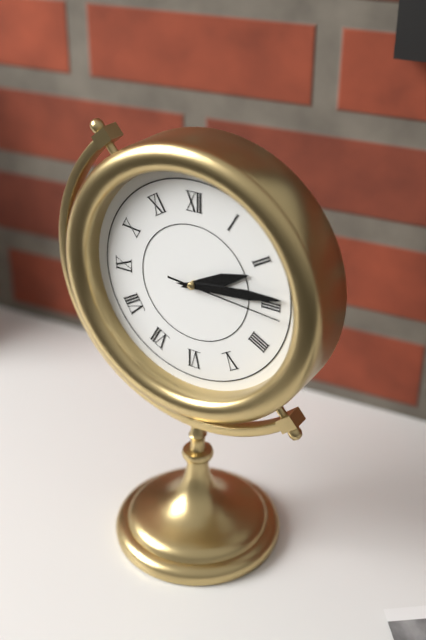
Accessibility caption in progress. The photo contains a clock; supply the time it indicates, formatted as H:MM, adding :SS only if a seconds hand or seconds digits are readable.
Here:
2:14:16
